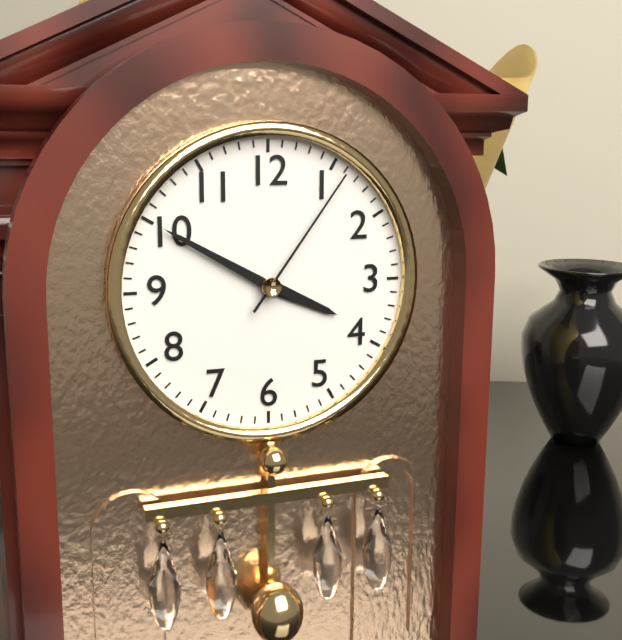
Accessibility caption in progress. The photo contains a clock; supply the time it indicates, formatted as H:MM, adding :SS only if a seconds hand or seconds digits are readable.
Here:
3:50:06
